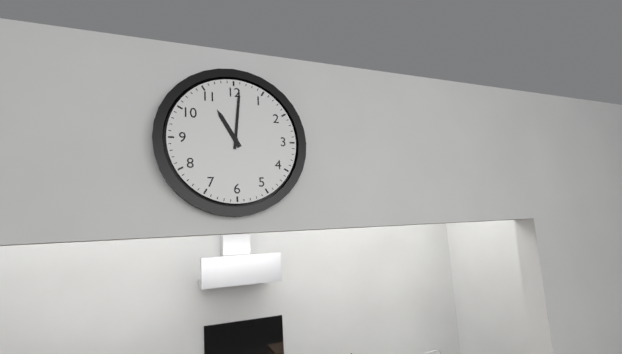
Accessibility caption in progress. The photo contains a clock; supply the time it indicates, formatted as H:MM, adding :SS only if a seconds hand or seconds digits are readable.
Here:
11:01
